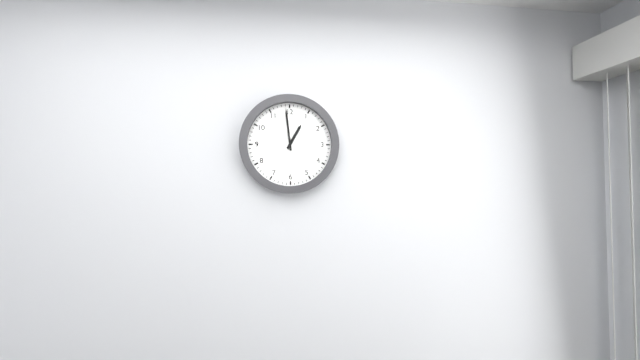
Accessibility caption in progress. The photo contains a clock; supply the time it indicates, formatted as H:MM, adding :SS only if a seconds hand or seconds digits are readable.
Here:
12:59
